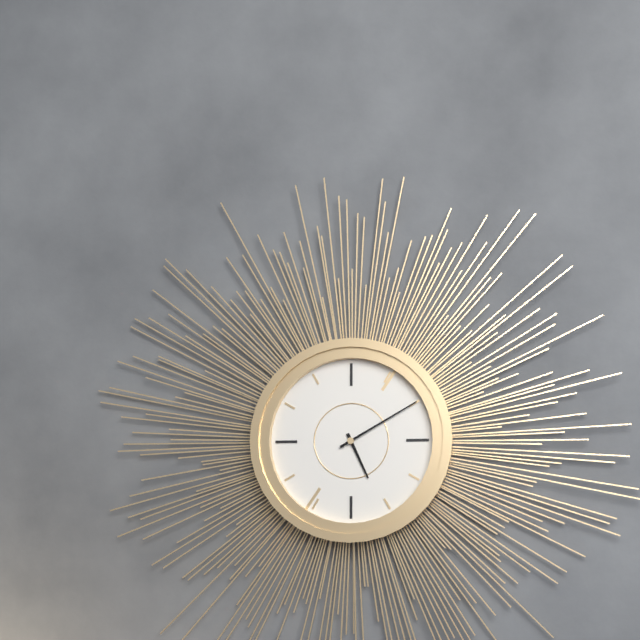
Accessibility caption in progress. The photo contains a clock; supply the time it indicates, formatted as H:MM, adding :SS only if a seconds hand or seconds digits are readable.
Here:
5:10
